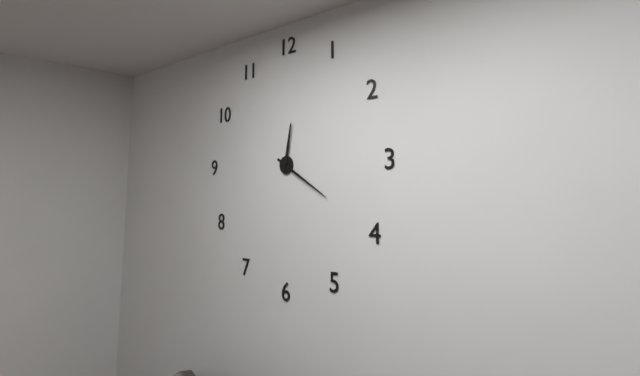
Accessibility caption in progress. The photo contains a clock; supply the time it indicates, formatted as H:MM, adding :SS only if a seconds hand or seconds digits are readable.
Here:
12:20
